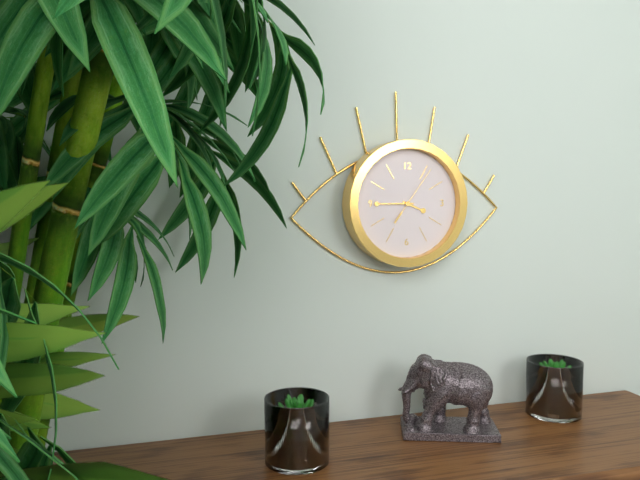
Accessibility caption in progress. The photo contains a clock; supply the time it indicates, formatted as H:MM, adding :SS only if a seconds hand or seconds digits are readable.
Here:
3:45:06
